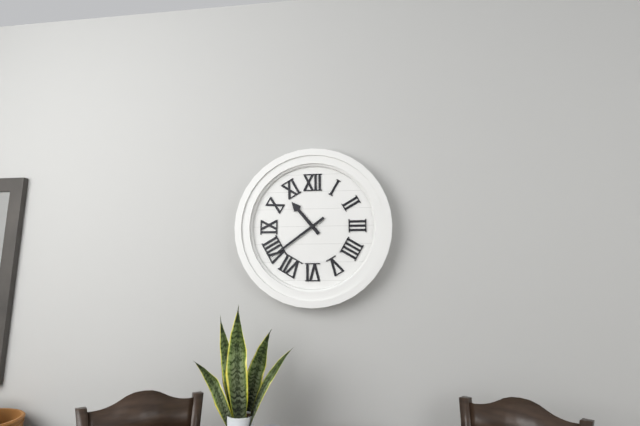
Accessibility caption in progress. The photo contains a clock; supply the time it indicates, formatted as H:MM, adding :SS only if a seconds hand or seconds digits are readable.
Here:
10:39
